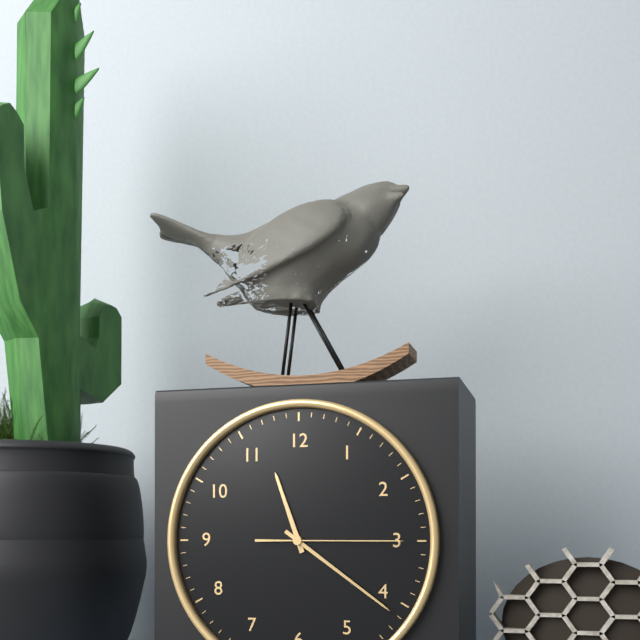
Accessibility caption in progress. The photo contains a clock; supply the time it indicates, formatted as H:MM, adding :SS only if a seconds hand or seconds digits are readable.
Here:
11:21:15
